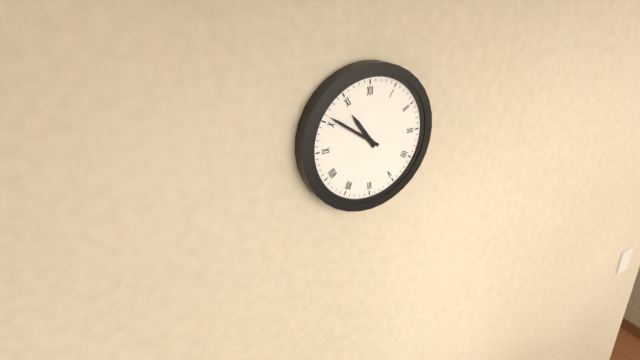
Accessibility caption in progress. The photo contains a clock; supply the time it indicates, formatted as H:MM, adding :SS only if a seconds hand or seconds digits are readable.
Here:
10:51
